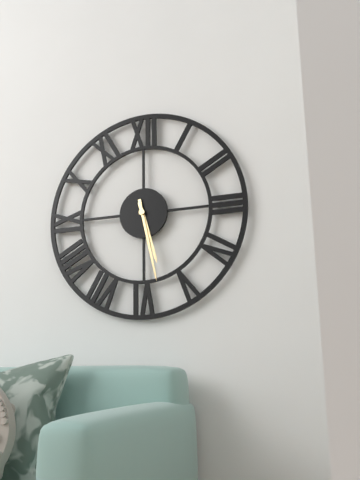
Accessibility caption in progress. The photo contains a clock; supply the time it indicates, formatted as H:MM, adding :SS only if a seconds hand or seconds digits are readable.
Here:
5:28
